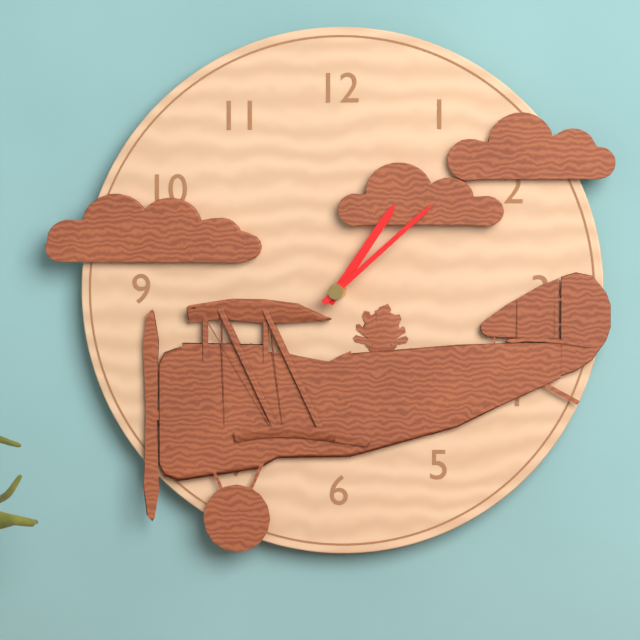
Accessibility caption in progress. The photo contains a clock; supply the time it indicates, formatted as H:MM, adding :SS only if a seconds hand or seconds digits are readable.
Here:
1:08
